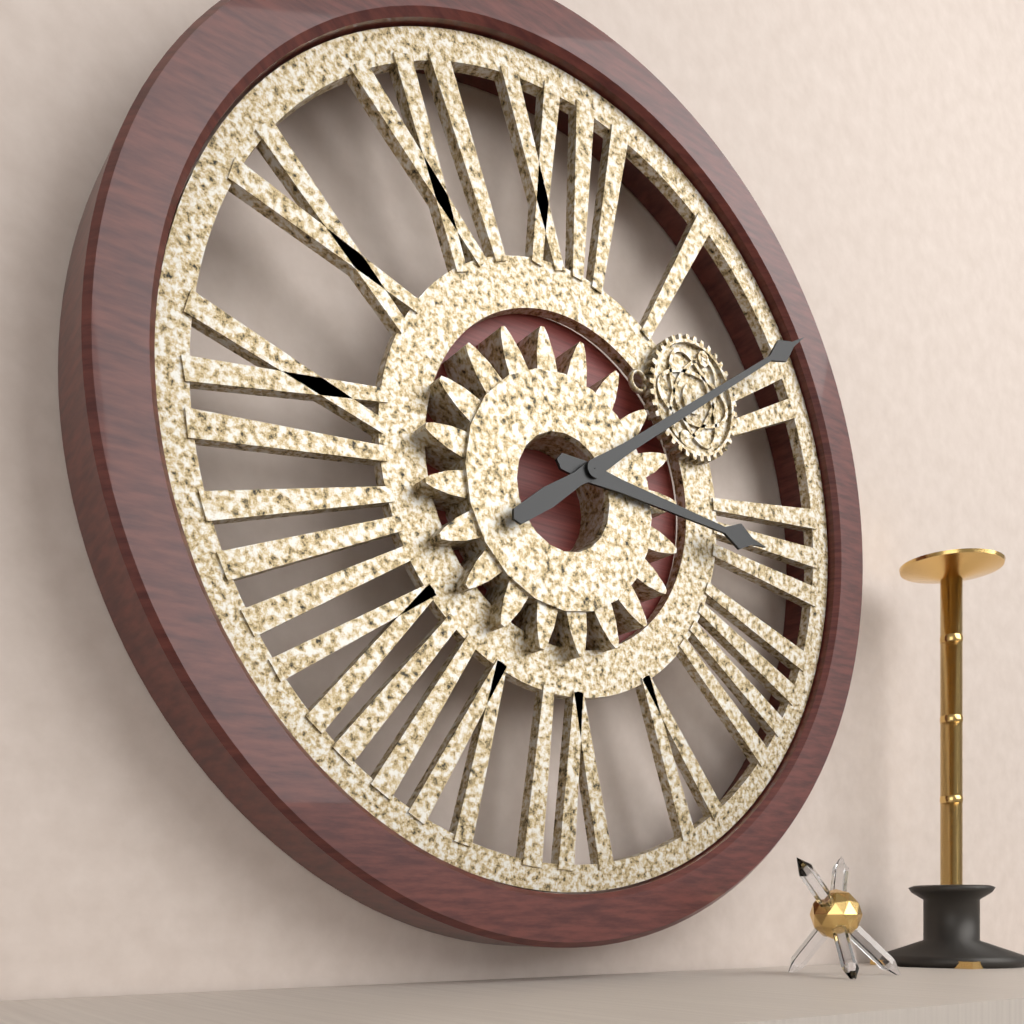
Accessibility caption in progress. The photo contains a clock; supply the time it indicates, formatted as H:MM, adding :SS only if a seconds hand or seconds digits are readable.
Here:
3:09
